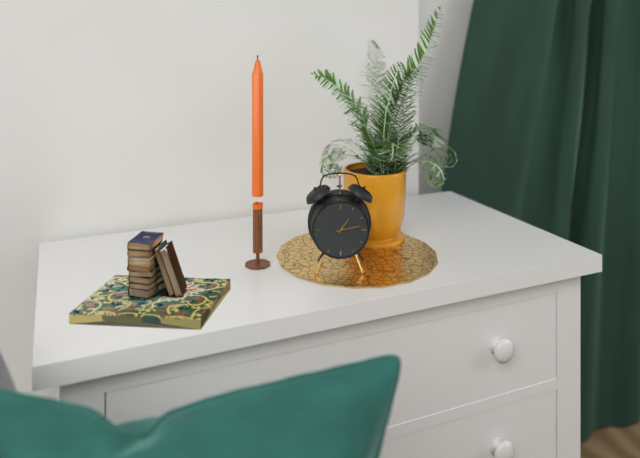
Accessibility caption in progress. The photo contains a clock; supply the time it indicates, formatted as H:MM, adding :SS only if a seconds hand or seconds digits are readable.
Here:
1:13
